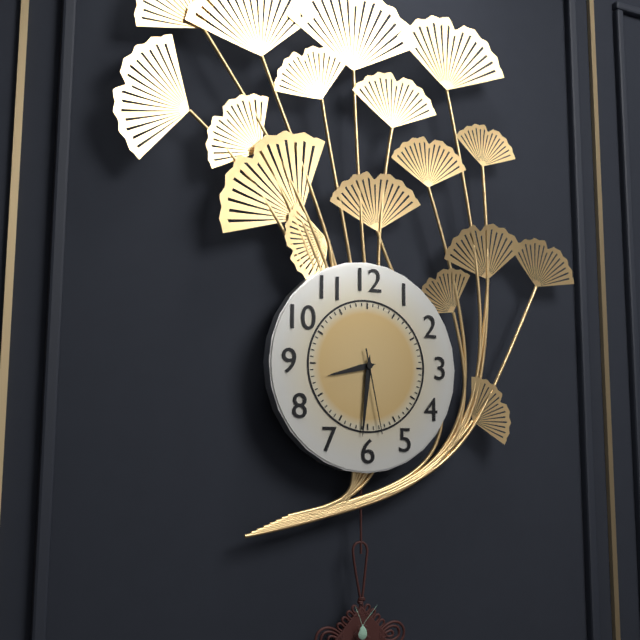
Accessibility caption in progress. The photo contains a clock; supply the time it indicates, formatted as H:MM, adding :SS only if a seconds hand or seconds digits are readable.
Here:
8:31:28
